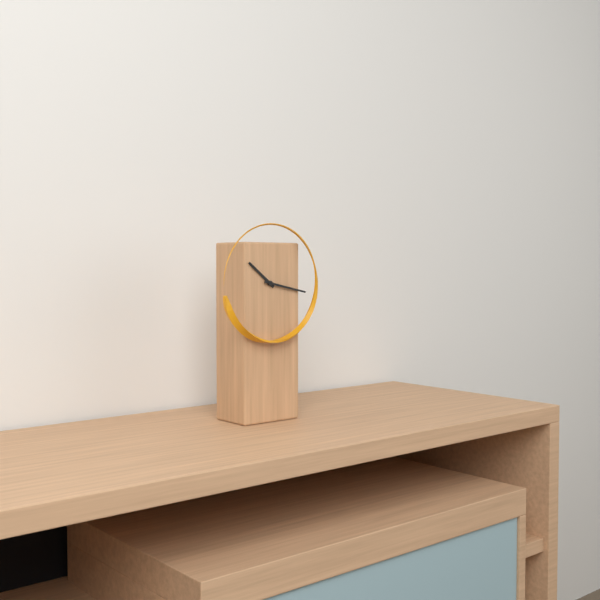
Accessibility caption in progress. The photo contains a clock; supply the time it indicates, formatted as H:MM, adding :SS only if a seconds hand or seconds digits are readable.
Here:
10:17
